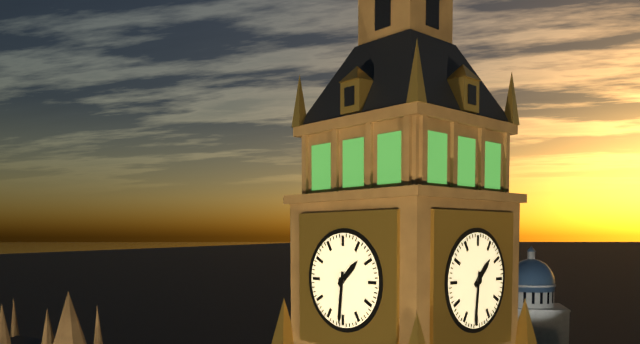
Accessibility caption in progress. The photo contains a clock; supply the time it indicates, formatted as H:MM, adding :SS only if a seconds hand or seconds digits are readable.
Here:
1:31
